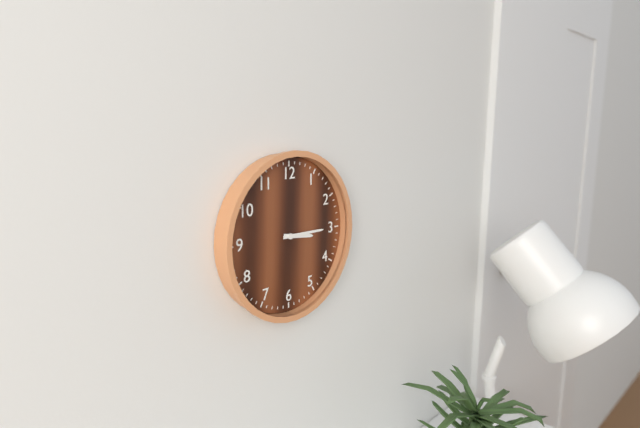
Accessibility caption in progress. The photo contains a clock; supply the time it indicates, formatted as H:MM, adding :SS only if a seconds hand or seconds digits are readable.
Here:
3:15
